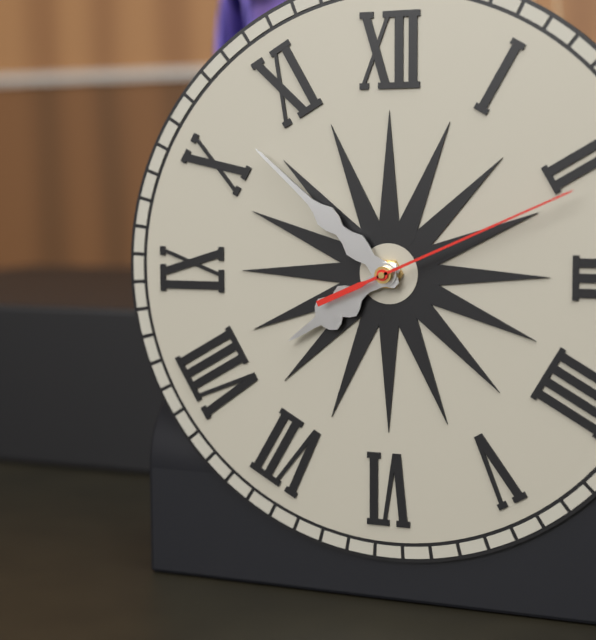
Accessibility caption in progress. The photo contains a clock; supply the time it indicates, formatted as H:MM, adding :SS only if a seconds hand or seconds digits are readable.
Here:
7:52:11
